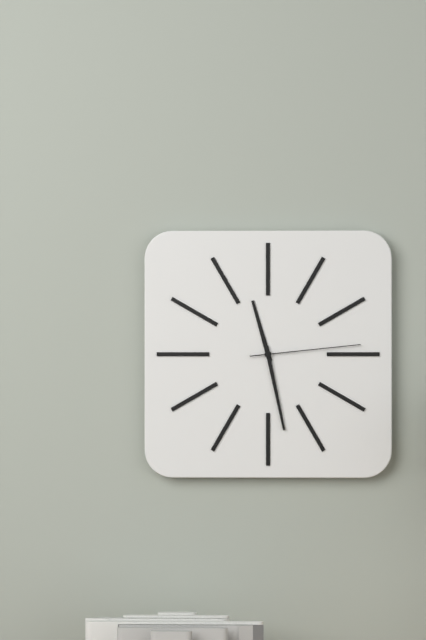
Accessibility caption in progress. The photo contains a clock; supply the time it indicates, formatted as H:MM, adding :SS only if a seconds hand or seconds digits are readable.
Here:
11:28:14
